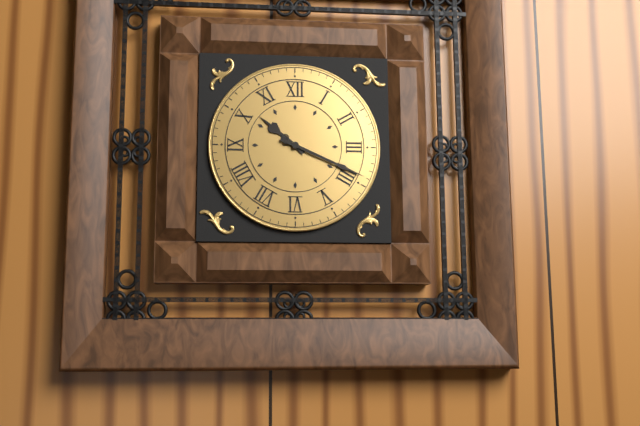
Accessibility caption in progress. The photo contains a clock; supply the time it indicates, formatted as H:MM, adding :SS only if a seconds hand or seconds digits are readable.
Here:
10:19
